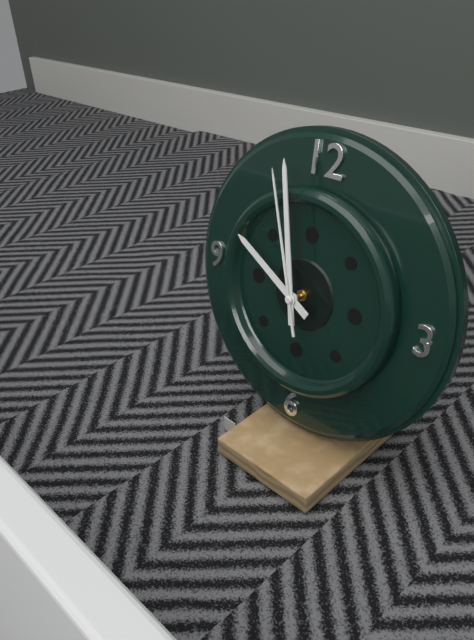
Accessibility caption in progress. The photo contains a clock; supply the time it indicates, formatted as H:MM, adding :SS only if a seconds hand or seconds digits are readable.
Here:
9:58:57
